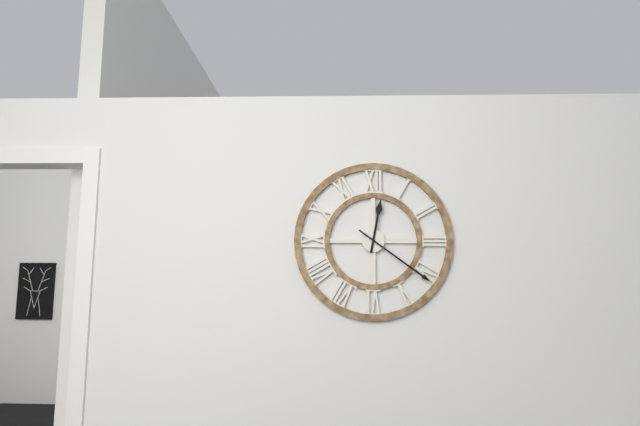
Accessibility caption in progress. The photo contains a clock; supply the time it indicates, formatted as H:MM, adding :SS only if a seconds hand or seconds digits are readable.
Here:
12:21
